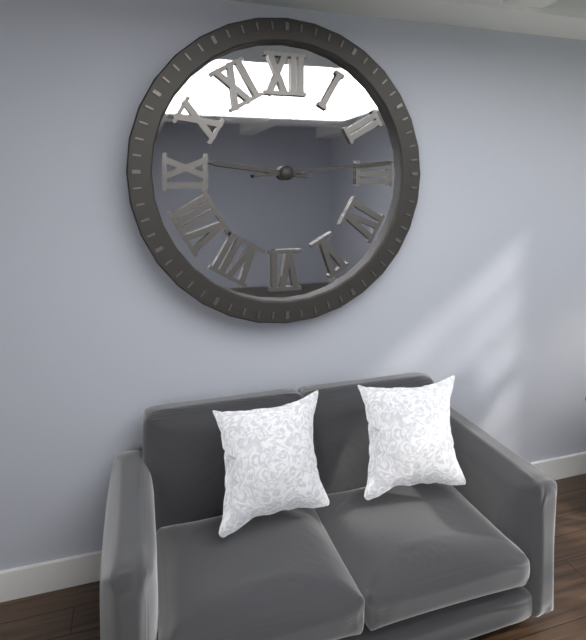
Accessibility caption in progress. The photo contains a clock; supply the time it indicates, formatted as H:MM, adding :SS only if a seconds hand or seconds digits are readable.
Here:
9:14
